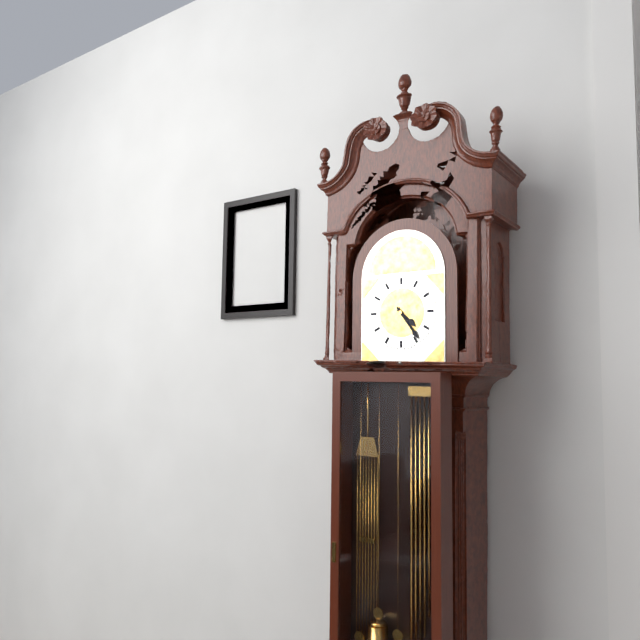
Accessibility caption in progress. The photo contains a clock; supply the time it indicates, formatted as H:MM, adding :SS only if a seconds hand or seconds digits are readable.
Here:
4:24
